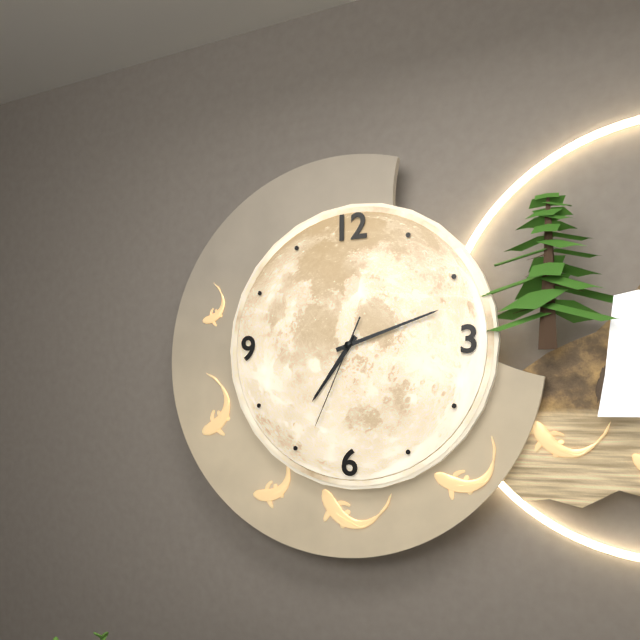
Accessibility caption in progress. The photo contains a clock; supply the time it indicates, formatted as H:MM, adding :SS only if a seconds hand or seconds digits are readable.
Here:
7:12:34
